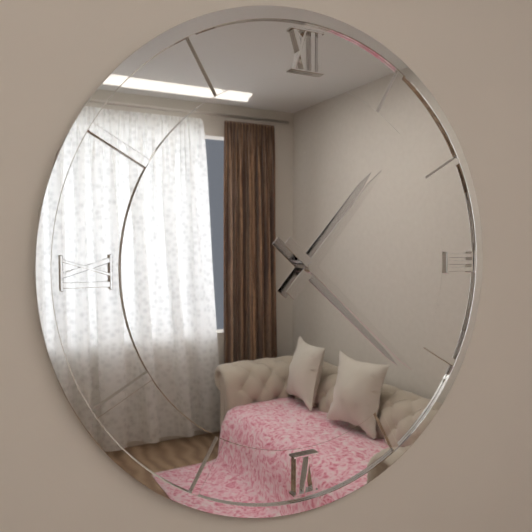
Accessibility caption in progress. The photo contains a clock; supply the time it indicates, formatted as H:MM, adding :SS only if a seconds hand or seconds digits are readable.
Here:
1:22
